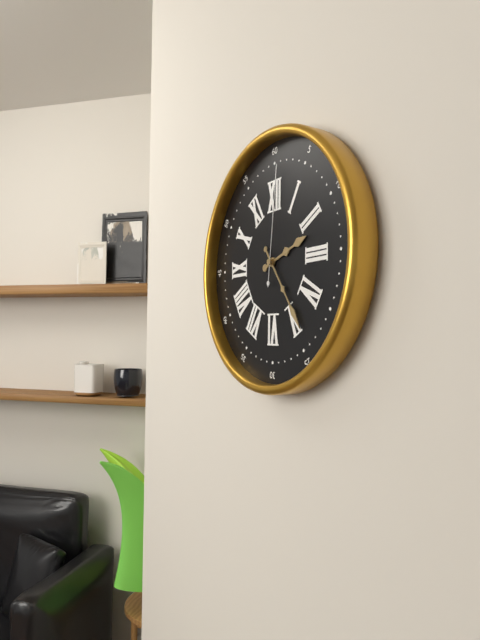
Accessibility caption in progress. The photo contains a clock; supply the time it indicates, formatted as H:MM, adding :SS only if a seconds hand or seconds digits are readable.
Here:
2:24:01
